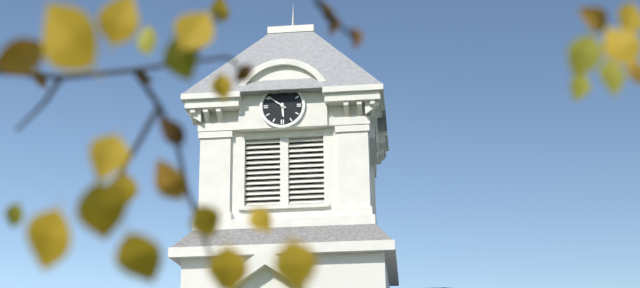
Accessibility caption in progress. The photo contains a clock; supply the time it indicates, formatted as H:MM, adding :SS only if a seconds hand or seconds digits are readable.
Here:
5:51
